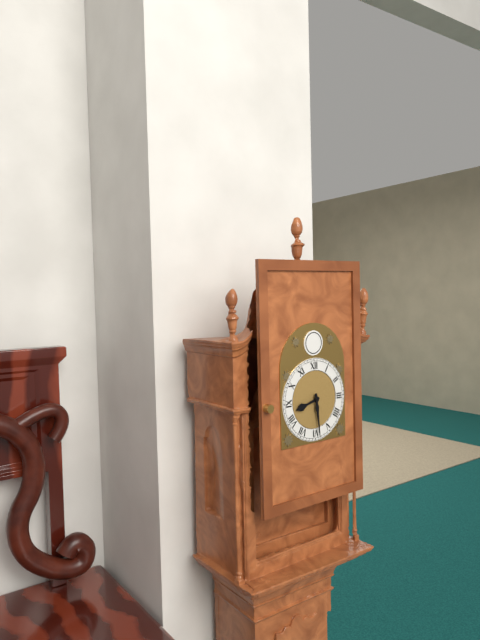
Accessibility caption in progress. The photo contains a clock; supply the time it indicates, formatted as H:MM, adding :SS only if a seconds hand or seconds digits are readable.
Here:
8:29
